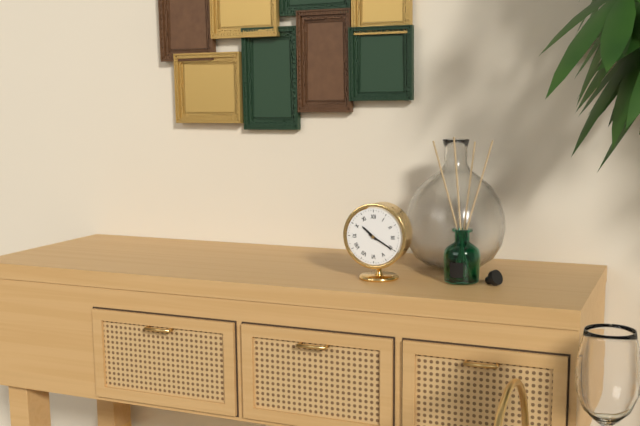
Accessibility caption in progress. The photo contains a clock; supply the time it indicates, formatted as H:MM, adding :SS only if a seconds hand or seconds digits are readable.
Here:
10:20
